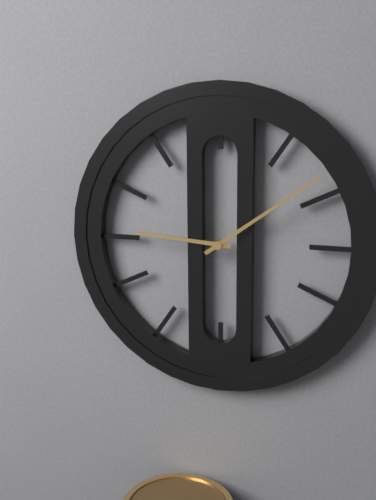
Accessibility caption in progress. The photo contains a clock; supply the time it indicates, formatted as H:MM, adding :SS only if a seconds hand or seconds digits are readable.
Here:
9:09
